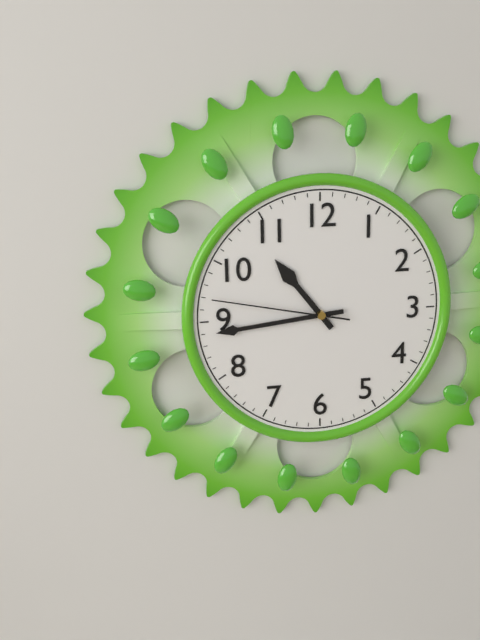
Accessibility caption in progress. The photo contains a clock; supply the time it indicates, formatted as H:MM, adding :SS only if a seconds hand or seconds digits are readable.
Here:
10:44:47
